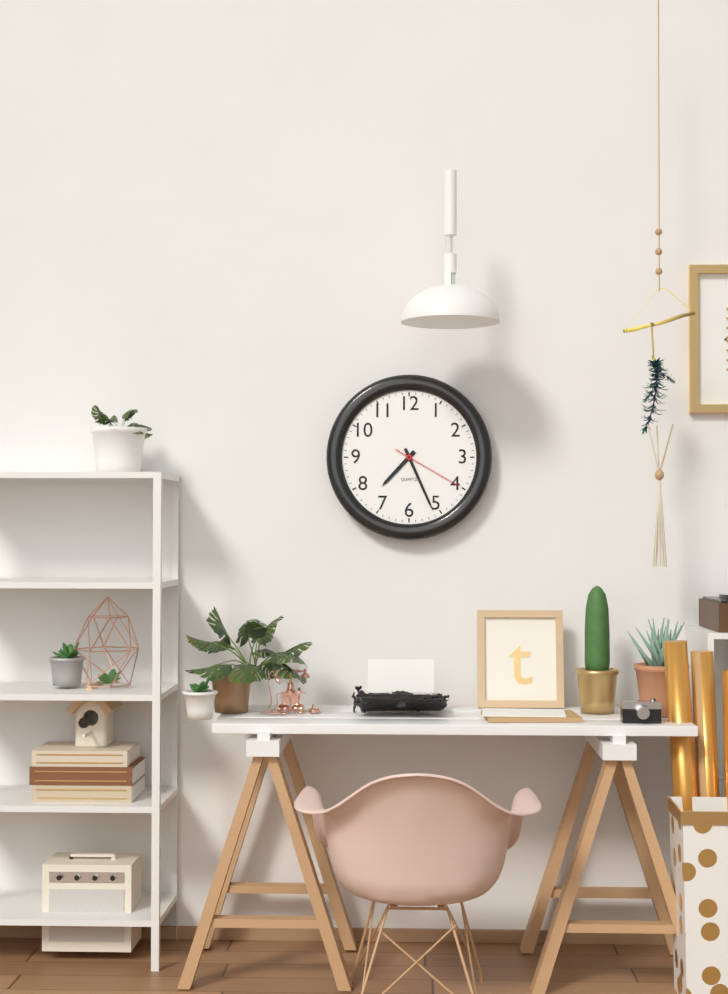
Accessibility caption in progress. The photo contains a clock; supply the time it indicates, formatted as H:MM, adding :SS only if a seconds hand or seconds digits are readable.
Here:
7:26:20
